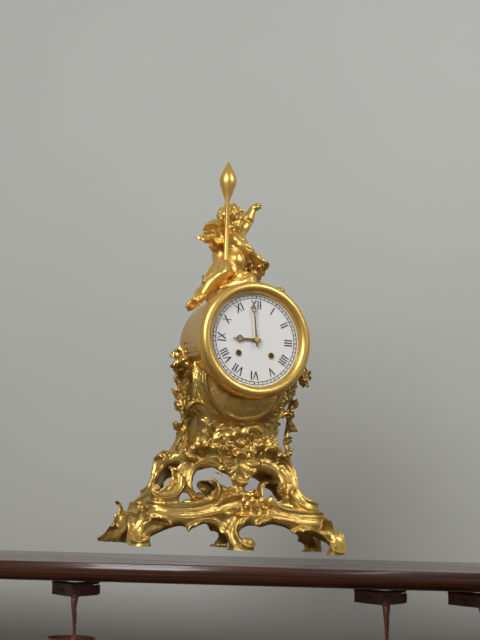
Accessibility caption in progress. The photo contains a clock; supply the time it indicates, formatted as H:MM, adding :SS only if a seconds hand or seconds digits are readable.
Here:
8:59
